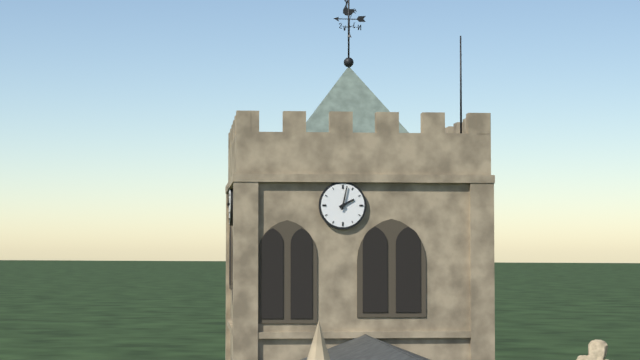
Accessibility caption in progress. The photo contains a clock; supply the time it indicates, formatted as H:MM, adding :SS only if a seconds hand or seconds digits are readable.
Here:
2:02
